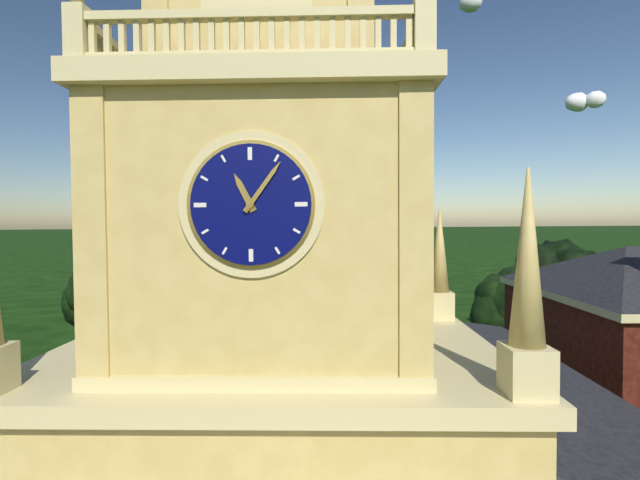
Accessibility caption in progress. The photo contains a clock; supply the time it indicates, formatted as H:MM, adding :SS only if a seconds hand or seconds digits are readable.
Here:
11:06
